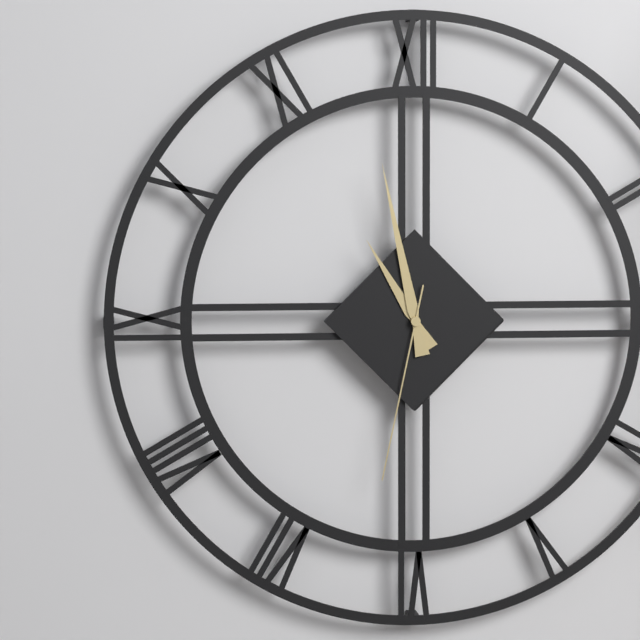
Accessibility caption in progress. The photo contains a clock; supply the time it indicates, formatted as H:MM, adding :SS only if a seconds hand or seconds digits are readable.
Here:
10:58:32
